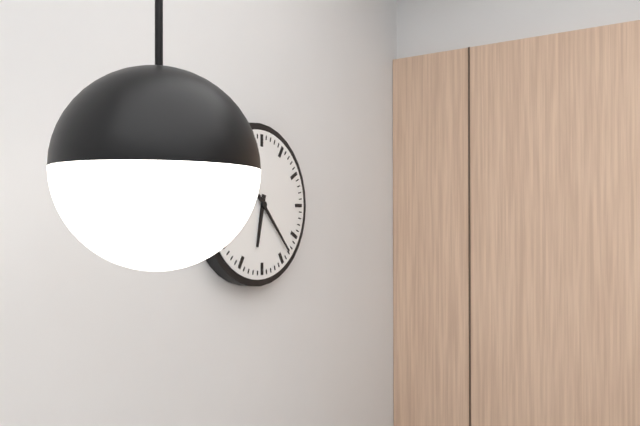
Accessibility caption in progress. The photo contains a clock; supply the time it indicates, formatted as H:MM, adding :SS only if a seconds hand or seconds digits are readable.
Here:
6:23
